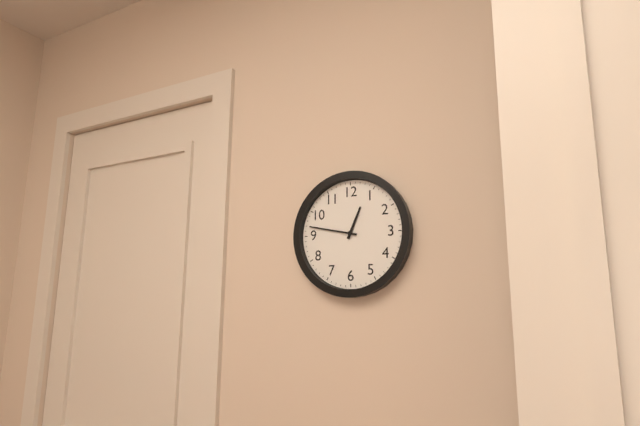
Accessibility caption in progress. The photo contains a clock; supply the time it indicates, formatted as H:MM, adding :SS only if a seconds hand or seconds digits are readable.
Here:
12:47
